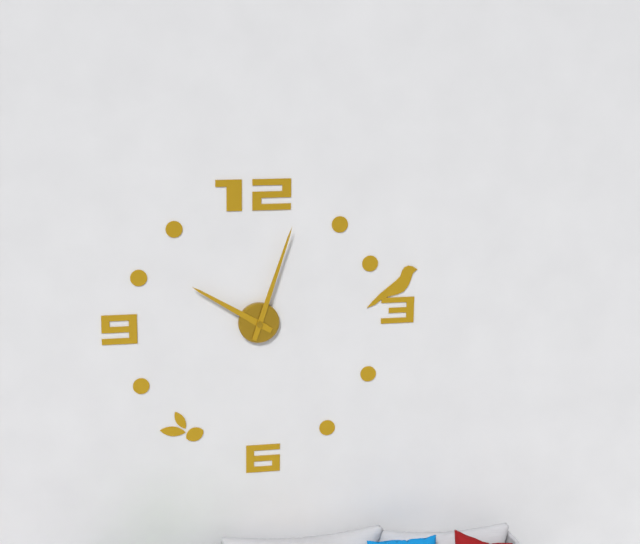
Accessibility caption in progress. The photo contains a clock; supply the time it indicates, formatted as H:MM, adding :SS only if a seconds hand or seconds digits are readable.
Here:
10:03
